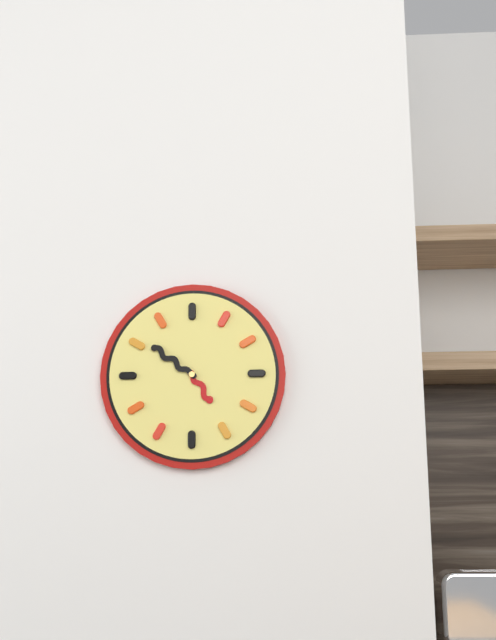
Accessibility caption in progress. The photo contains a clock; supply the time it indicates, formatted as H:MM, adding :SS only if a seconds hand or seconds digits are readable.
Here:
4:51
